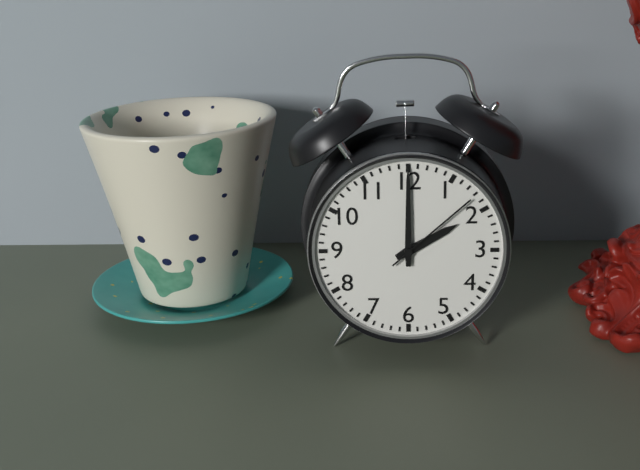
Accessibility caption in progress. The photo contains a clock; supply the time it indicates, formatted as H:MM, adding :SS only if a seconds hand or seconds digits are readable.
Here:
2:00:08
